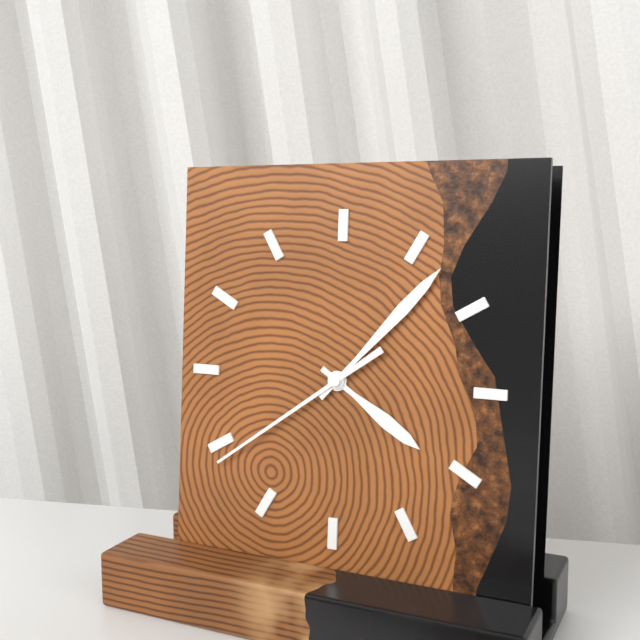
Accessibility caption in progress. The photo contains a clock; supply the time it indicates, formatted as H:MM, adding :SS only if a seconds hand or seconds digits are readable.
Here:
4:07:39
